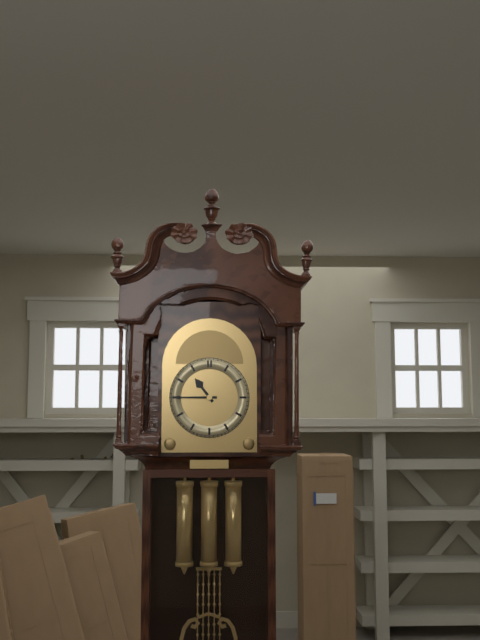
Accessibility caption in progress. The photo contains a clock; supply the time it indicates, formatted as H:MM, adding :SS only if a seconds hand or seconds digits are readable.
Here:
10:45
